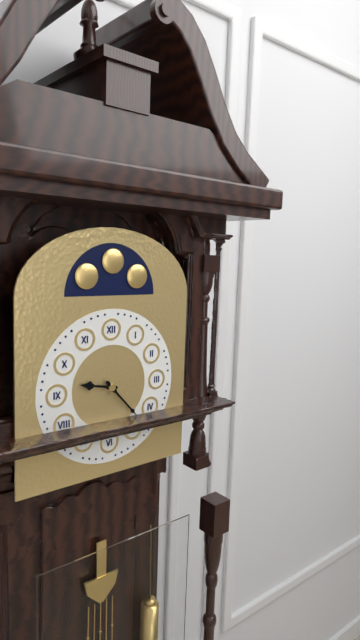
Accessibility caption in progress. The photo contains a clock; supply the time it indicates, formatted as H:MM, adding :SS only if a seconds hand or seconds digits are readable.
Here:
9:23
